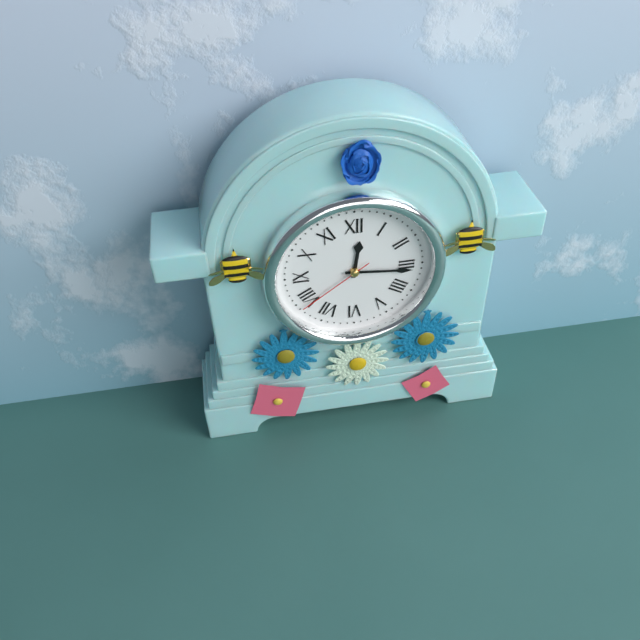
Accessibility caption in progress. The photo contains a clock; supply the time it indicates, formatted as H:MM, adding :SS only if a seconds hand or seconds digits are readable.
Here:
12:16:39
